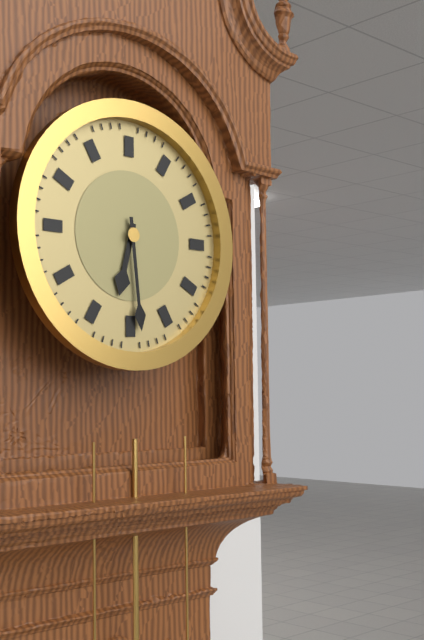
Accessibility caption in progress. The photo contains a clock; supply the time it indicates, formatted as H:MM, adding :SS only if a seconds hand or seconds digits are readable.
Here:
6:29
